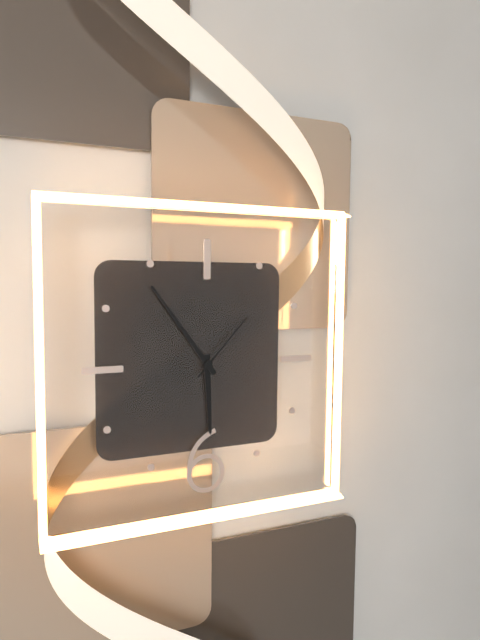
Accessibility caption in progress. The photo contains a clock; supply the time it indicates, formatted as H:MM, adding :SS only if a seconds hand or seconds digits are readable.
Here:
5:54:07
